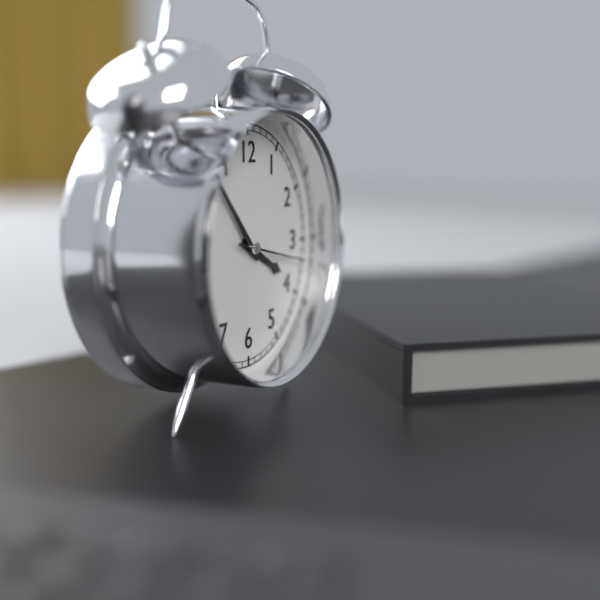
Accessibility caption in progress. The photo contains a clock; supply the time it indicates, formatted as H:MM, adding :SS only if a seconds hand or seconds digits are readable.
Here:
3:53:17
